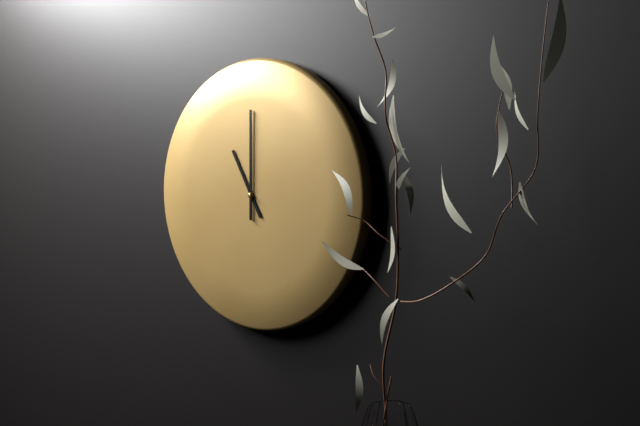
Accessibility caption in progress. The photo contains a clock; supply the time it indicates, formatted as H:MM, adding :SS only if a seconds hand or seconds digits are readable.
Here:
11:00
